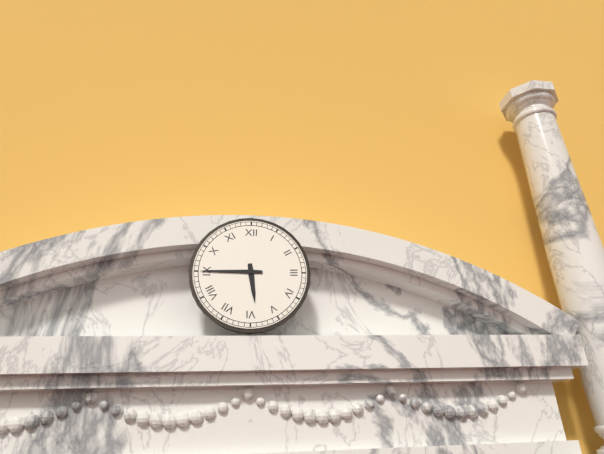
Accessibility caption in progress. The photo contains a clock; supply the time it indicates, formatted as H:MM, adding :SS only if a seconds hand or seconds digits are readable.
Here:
5:45
